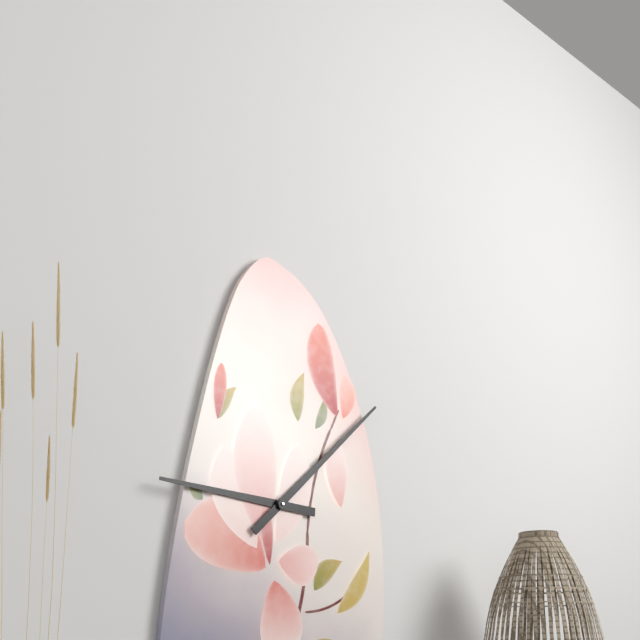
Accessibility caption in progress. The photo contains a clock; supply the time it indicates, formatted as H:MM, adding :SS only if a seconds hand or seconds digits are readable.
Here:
9:08
